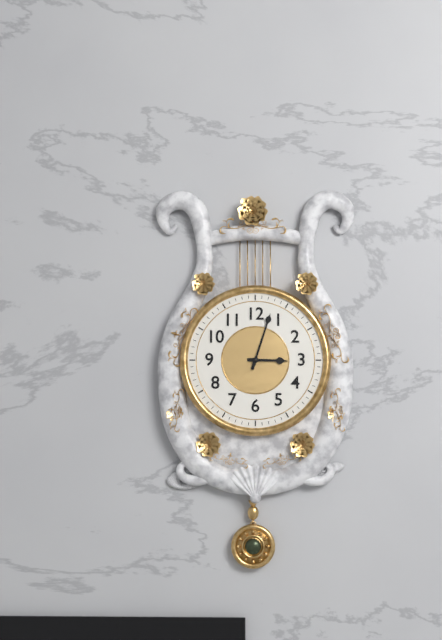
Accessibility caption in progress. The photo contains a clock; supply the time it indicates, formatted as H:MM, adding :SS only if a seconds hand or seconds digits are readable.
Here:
3:03
